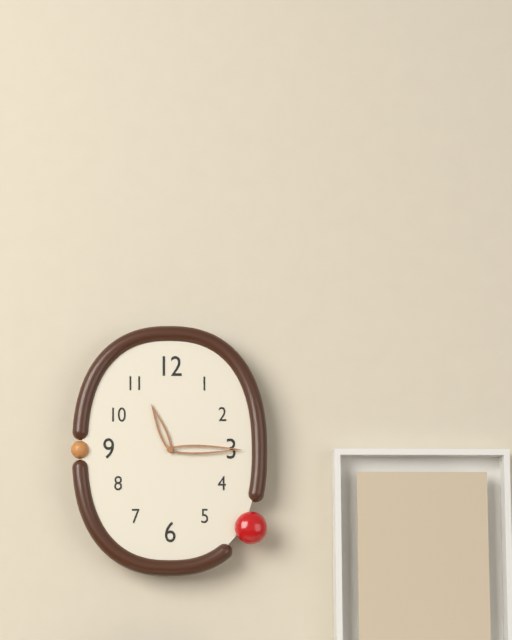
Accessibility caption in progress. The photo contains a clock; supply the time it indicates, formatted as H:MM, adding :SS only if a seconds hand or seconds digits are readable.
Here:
11:15
